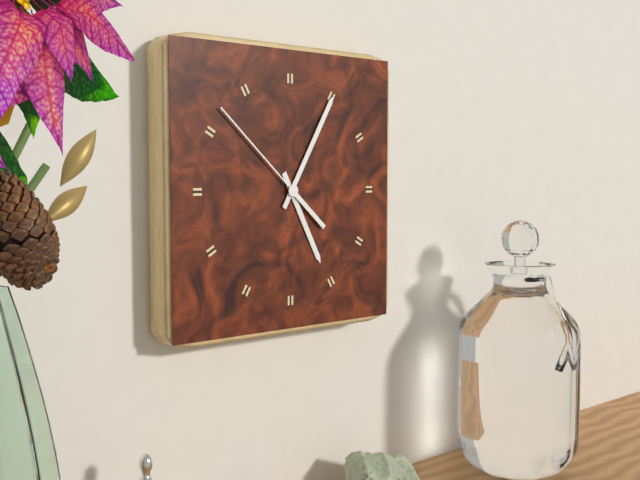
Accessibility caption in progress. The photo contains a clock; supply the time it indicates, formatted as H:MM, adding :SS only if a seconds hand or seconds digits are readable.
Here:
5:05:52
